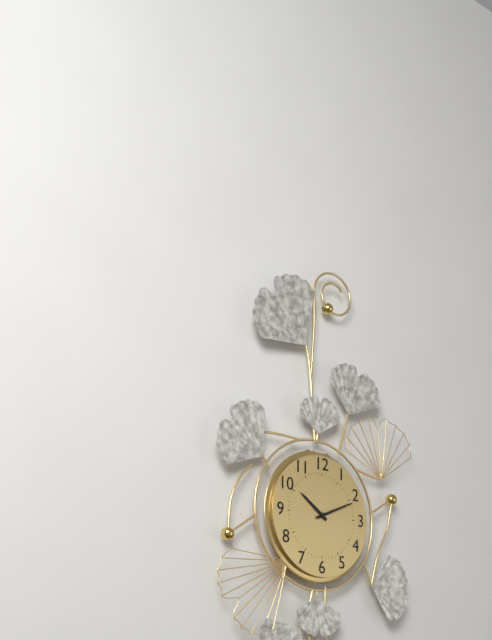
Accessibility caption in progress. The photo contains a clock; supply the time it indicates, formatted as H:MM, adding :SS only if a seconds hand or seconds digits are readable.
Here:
10:11
